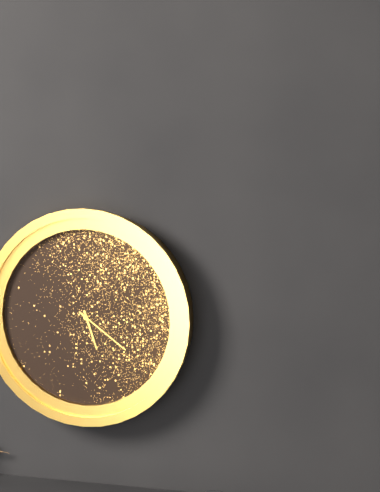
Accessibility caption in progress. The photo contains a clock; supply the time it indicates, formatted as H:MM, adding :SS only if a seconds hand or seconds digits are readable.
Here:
5:21
